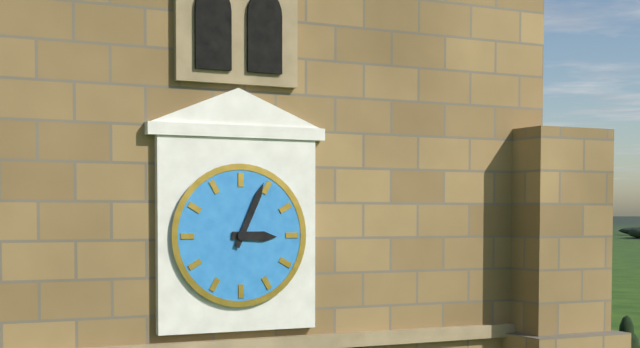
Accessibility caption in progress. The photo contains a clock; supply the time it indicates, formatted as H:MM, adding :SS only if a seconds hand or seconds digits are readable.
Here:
3:04
